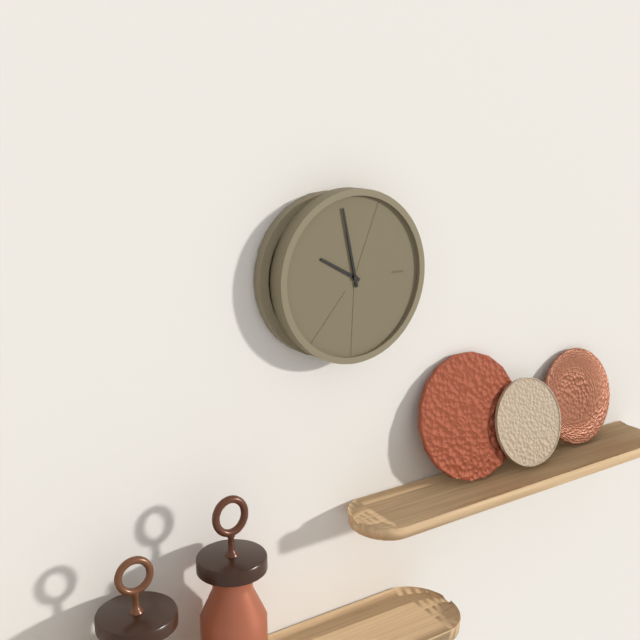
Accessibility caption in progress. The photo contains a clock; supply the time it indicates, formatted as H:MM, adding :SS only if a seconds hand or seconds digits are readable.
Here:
9:58
